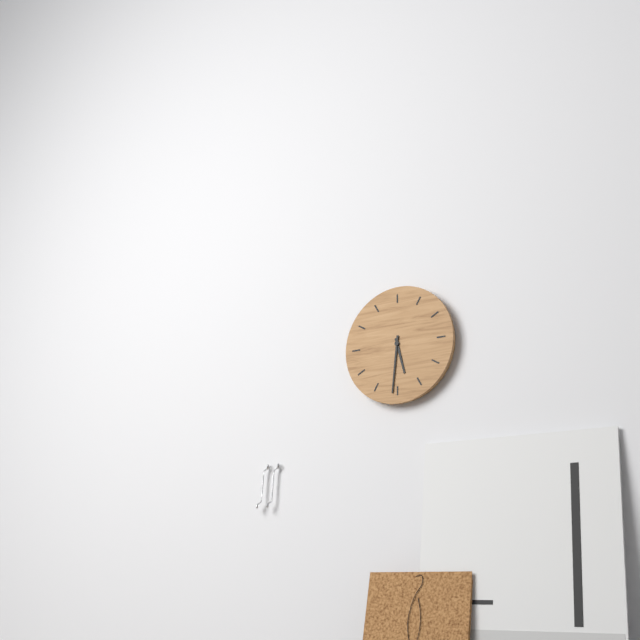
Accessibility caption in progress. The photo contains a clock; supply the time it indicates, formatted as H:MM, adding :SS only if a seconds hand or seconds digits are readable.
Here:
5:31
